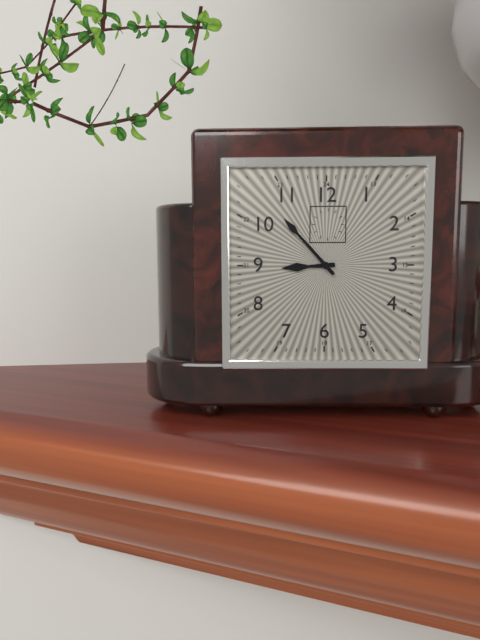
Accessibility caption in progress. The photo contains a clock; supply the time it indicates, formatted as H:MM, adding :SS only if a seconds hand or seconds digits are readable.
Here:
8:53
